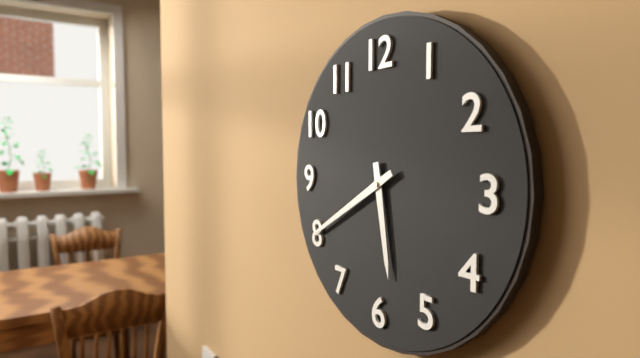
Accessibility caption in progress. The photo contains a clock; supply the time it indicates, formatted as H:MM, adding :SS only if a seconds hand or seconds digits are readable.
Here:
5:40
